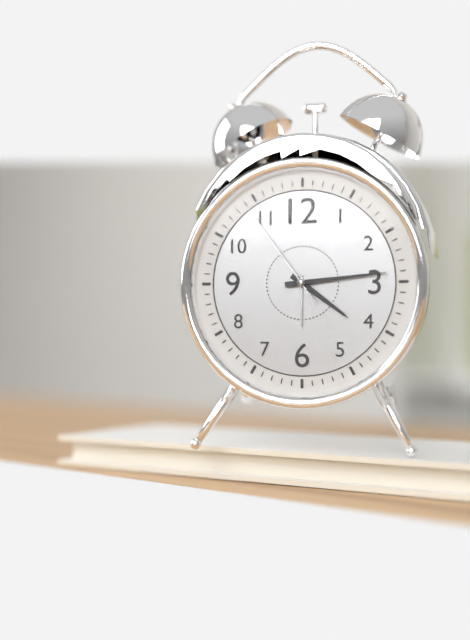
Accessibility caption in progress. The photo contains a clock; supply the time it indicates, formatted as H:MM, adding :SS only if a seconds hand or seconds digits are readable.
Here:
4:14:54
